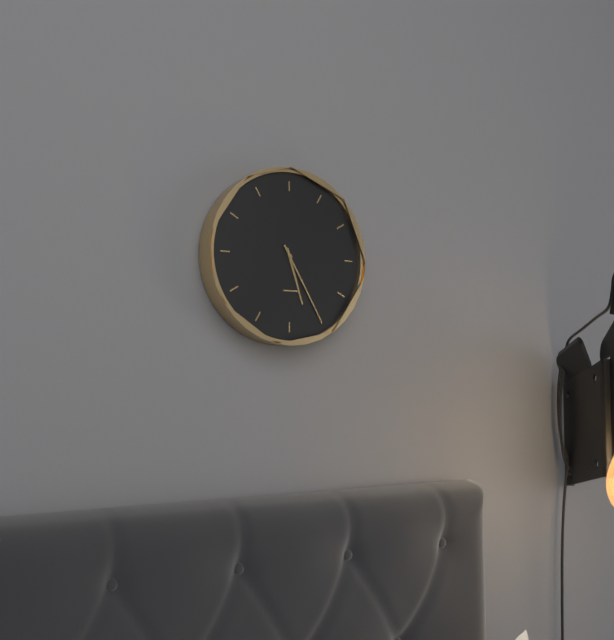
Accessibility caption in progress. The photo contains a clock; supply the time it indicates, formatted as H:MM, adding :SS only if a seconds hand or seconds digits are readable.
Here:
5:25
